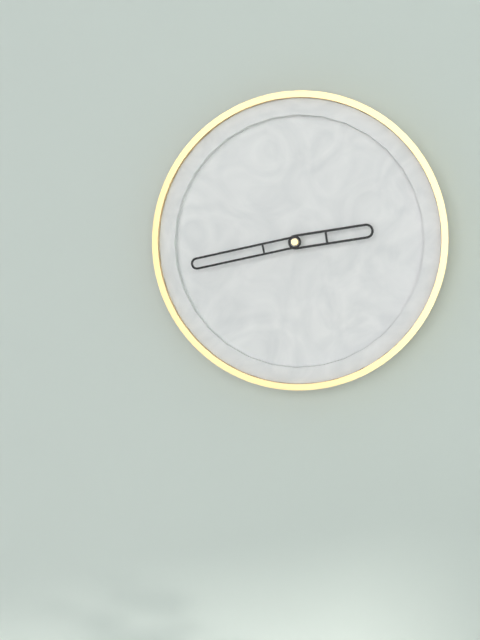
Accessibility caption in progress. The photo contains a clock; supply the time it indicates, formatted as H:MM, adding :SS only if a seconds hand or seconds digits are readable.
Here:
2:43
